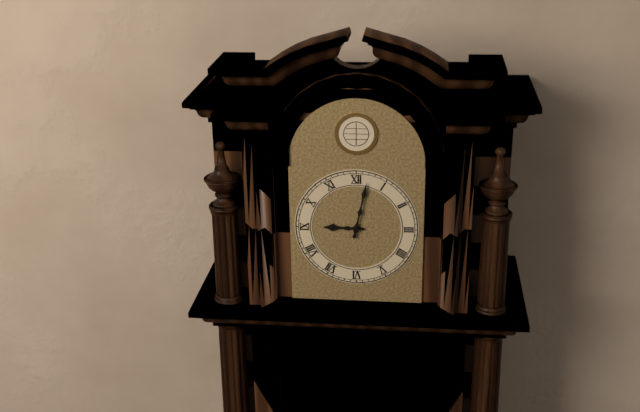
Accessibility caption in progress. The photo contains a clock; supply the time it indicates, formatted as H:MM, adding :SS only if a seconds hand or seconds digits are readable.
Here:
9:02
